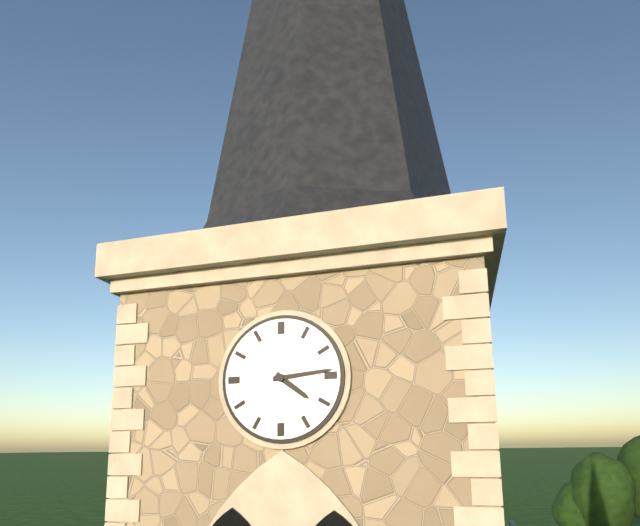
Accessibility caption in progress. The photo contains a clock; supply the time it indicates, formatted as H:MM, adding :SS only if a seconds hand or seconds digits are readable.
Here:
4:14
